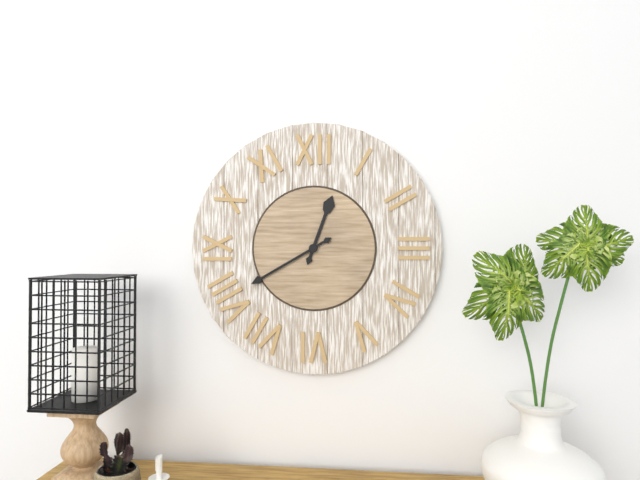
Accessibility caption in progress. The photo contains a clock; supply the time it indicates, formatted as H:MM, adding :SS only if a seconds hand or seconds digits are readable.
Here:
12:40
